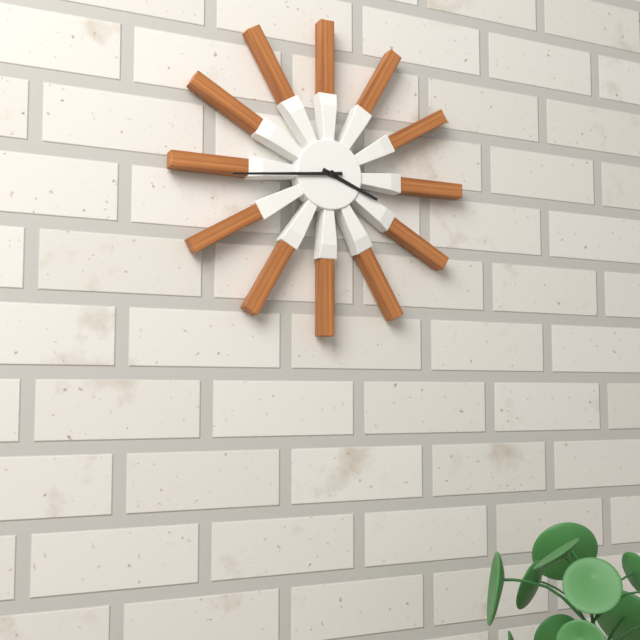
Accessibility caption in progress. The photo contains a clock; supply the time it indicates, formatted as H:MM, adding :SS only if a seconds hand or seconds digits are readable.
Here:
3:44
